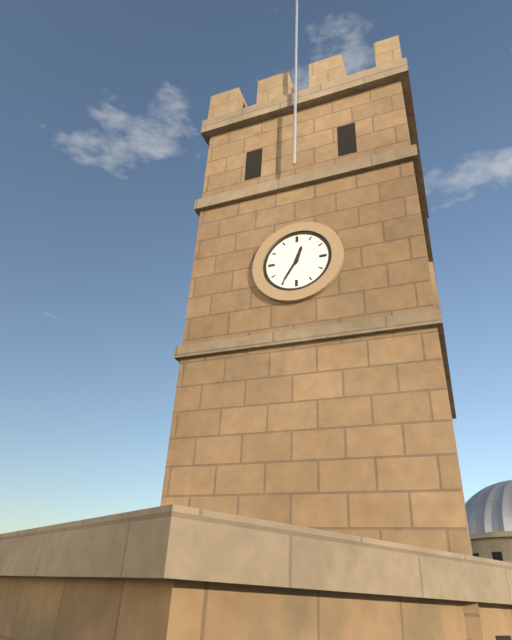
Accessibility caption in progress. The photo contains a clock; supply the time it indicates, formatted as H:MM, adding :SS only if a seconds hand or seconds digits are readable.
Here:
12:35
